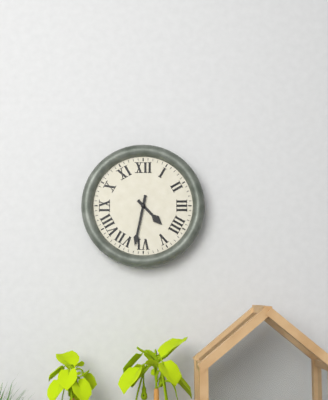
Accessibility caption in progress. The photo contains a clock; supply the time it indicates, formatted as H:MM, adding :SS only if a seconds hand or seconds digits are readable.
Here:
4:32
